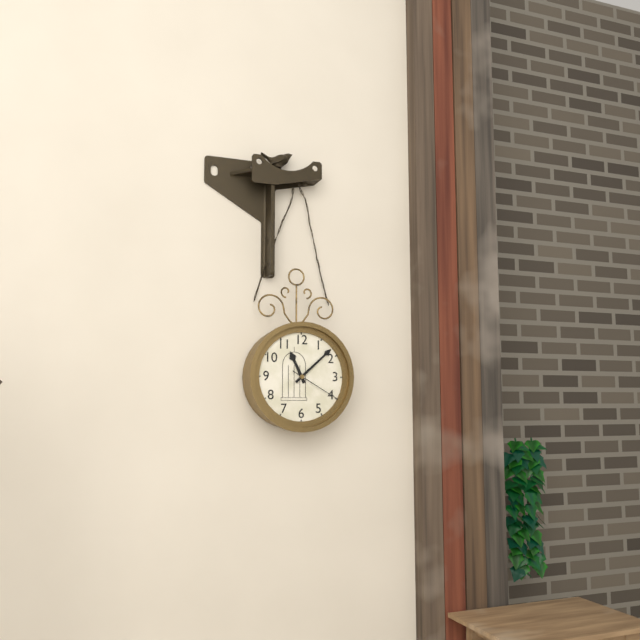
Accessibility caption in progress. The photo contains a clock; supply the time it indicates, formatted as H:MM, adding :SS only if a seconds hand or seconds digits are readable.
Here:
11:08:20
